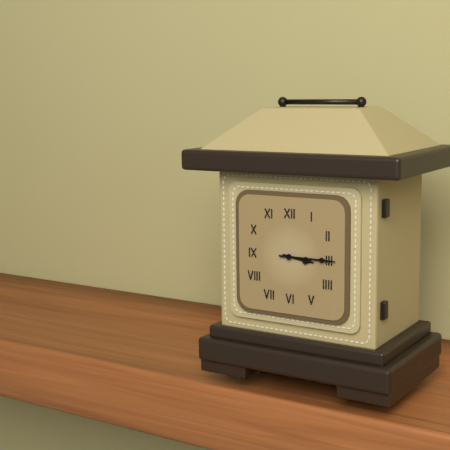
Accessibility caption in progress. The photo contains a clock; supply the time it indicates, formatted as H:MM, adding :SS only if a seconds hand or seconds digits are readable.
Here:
3:15
